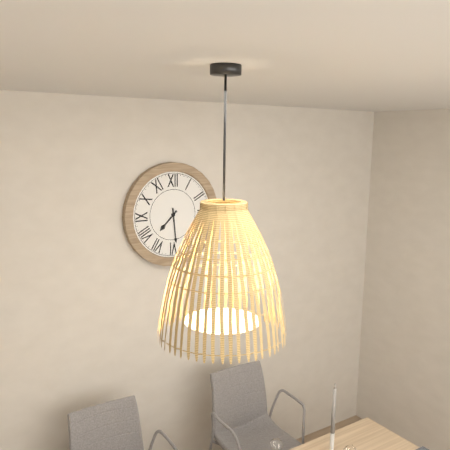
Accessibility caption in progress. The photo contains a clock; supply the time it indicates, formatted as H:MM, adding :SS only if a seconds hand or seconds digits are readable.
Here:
7:29
